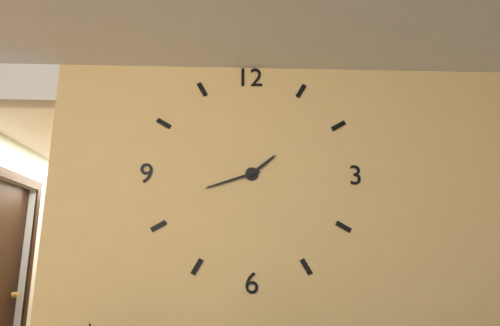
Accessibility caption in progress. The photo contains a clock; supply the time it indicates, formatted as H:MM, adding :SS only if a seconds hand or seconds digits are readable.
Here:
1:42
